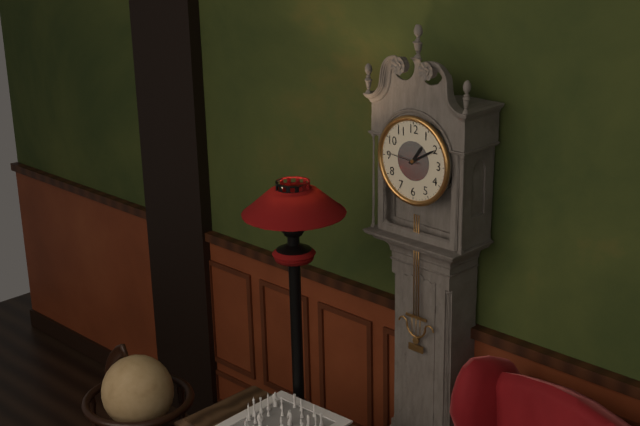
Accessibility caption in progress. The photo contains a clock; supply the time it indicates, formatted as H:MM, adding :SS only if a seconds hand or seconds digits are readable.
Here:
1:10
